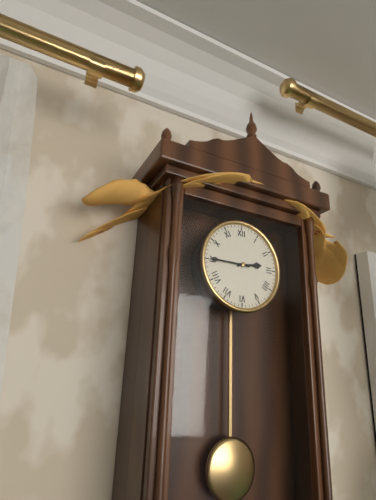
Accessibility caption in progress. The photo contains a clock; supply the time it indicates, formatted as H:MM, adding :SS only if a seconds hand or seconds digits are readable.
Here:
2:45
